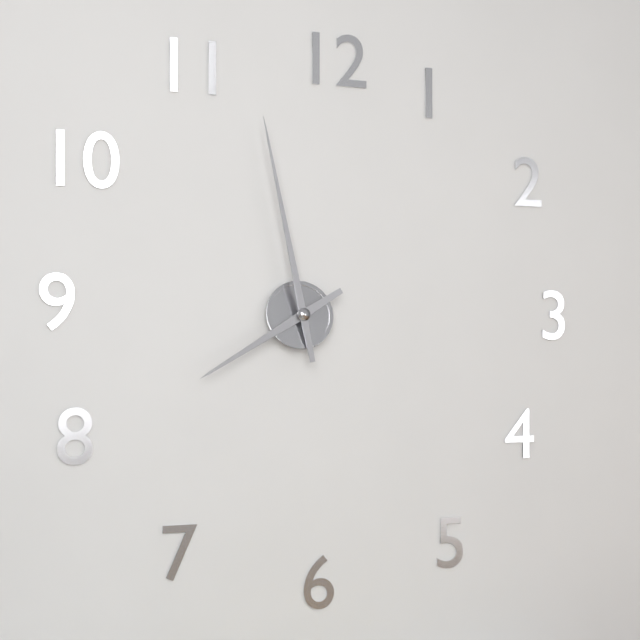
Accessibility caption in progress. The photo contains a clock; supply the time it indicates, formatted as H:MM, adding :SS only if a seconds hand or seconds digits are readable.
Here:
7:58
